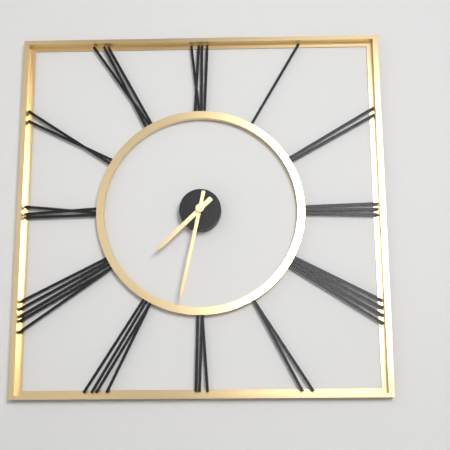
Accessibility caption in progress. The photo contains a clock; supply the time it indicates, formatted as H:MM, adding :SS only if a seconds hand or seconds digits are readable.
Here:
7:32
